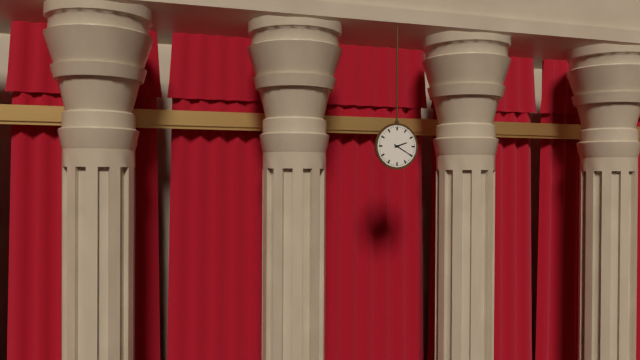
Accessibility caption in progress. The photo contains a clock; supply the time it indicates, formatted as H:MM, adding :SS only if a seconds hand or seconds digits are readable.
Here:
2:20
